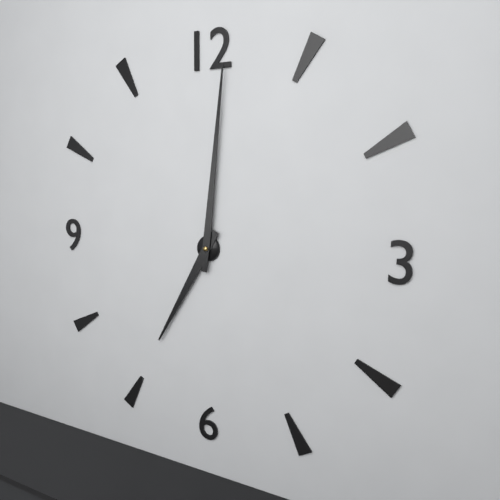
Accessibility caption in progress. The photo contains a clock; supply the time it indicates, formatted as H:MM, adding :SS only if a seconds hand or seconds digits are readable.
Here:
7:01
